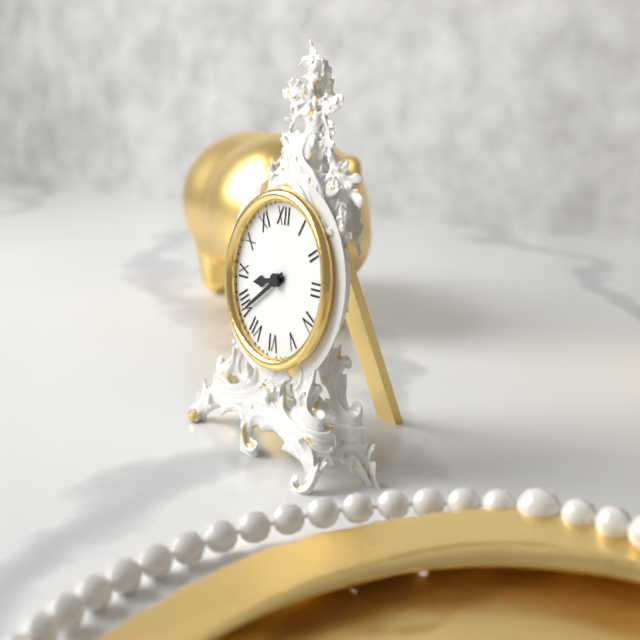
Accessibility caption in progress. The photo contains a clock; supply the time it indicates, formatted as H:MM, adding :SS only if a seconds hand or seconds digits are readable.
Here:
8:39
